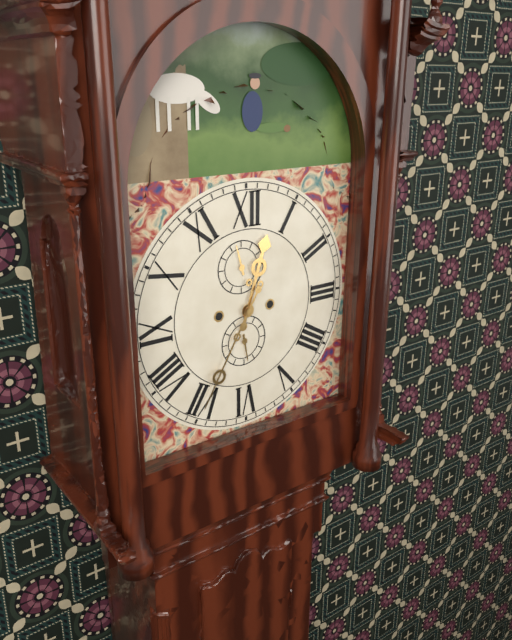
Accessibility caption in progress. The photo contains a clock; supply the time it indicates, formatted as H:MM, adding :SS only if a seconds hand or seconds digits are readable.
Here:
12:35
